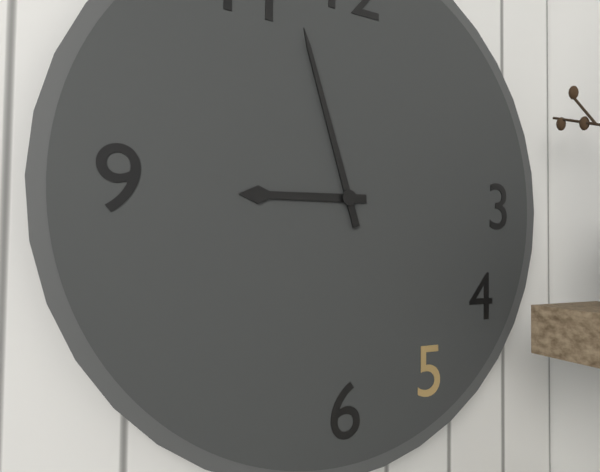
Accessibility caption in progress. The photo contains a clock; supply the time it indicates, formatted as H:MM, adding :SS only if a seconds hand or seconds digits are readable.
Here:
8:57
